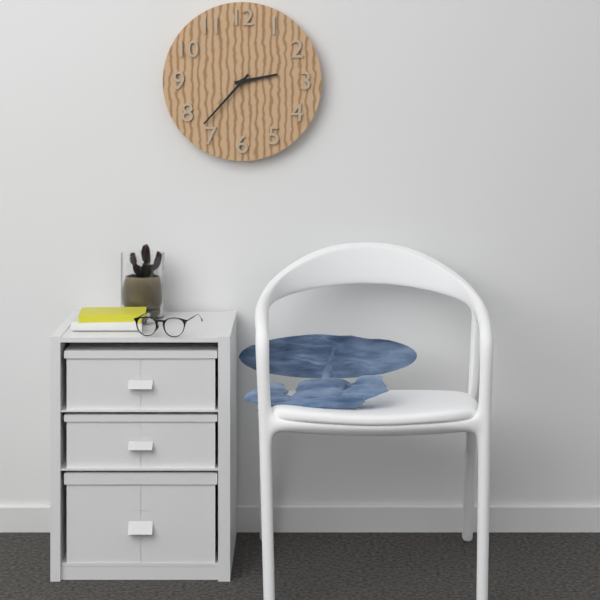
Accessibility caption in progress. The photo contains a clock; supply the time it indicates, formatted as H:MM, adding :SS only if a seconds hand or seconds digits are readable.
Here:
2:37
